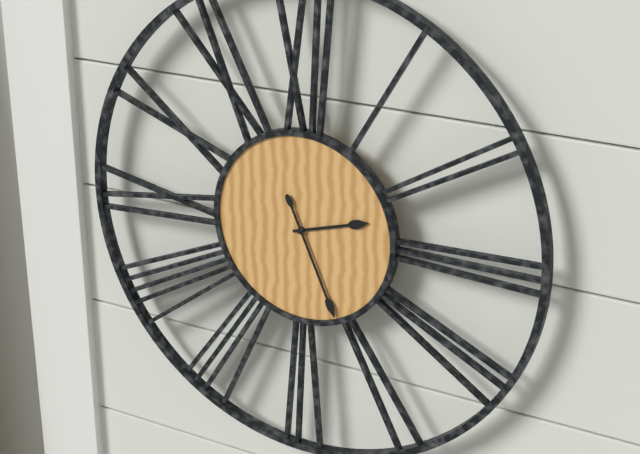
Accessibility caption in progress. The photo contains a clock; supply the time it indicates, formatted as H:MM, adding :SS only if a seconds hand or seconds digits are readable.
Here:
2:26
